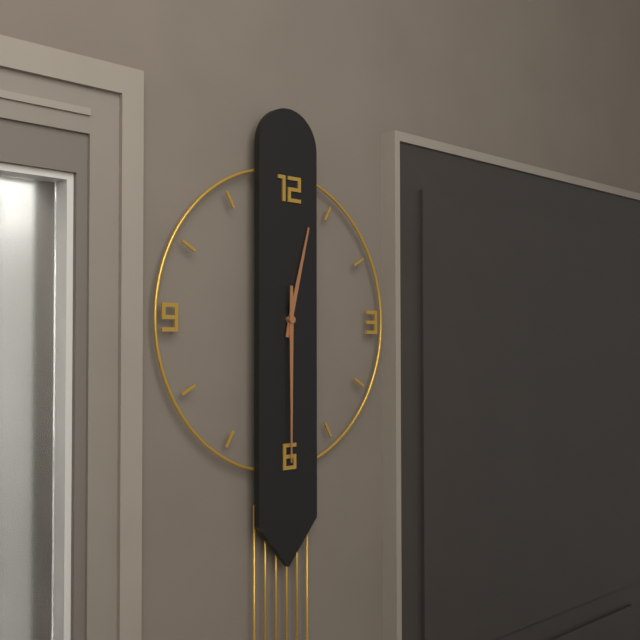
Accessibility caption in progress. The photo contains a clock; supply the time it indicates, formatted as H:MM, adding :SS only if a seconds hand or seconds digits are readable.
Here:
12:30
